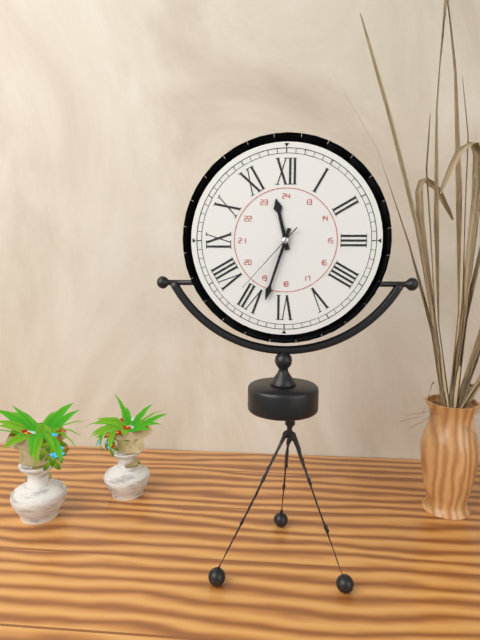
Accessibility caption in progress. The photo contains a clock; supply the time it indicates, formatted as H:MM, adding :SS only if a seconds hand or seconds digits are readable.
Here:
11:33:37
